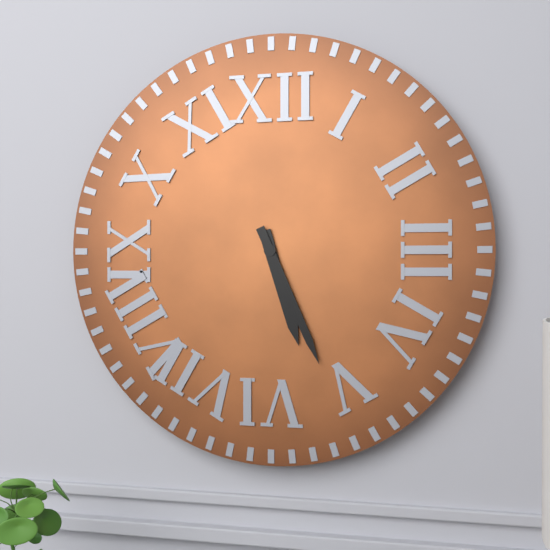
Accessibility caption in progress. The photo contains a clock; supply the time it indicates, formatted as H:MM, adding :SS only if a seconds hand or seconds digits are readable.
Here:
5:26
